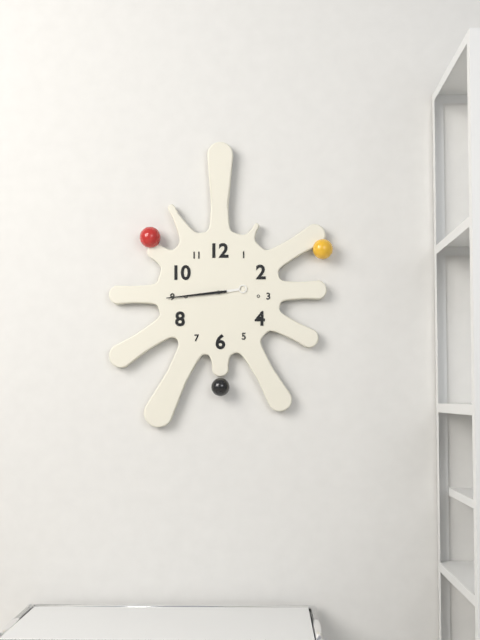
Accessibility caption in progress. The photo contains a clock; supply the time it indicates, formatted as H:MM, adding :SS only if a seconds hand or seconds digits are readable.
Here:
2:44
